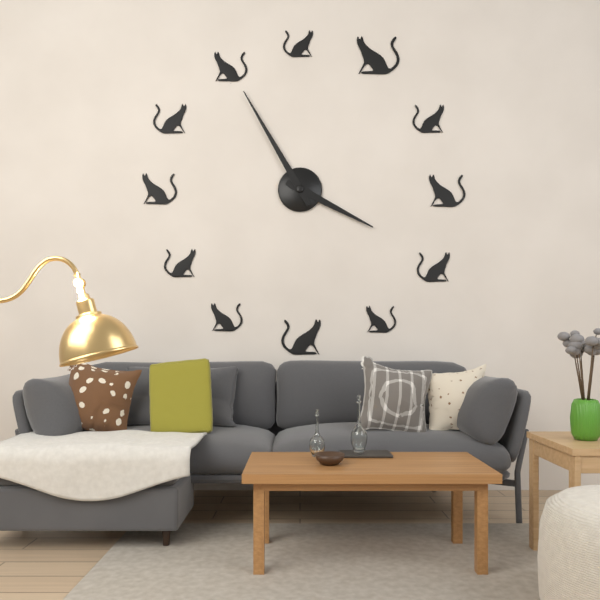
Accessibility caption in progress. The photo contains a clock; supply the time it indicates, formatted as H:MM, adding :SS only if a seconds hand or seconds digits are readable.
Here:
3:55
